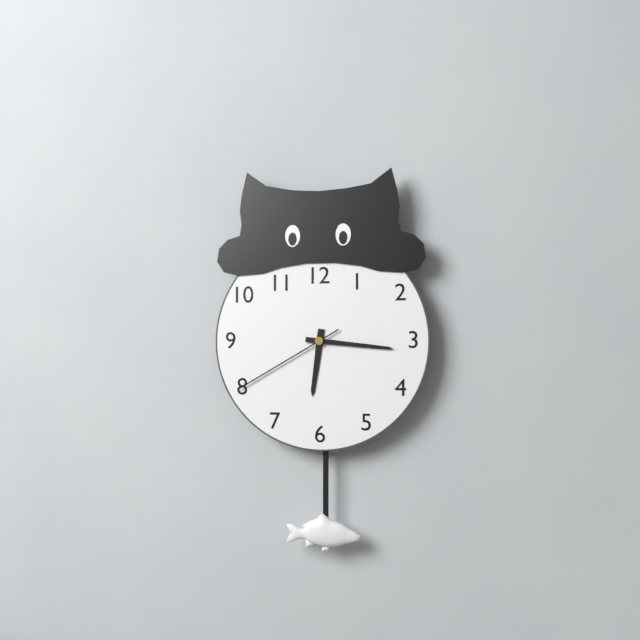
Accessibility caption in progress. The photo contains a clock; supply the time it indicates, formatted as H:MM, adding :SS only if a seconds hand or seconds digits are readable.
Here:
6:16:40
